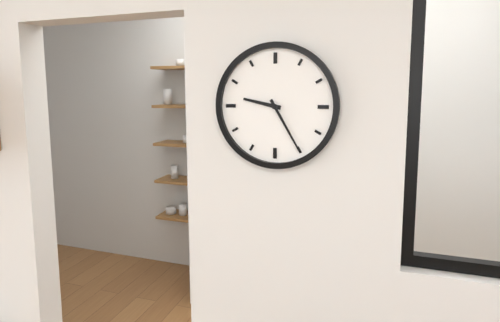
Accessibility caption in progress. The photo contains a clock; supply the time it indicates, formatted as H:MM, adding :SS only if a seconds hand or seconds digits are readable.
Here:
9:25
